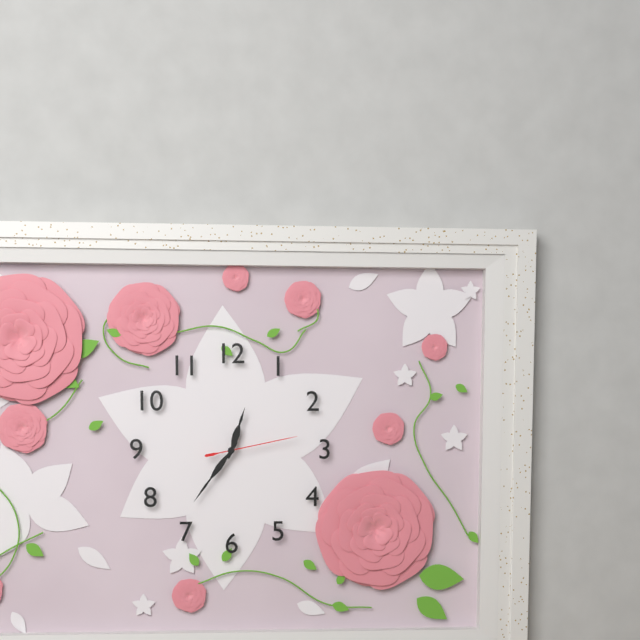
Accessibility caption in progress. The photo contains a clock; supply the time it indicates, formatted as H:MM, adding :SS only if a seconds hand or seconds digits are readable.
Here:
12:36:13
